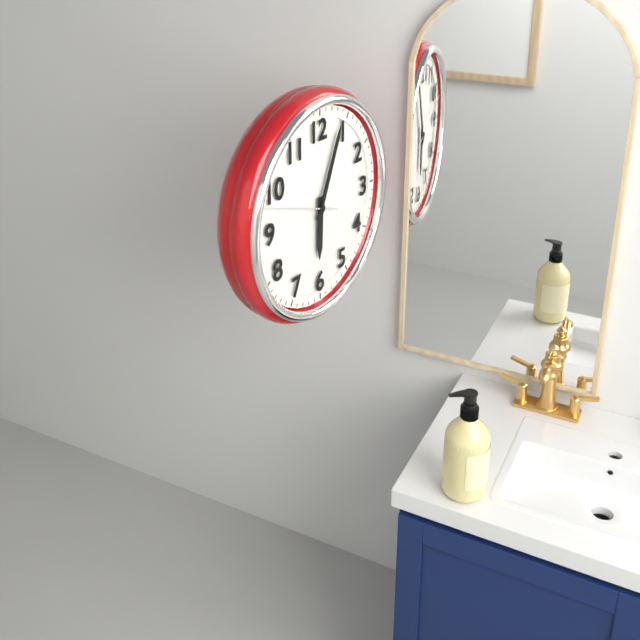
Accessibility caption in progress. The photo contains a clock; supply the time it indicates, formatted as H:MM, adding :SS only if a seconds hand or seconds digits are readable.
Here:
6:04:48
